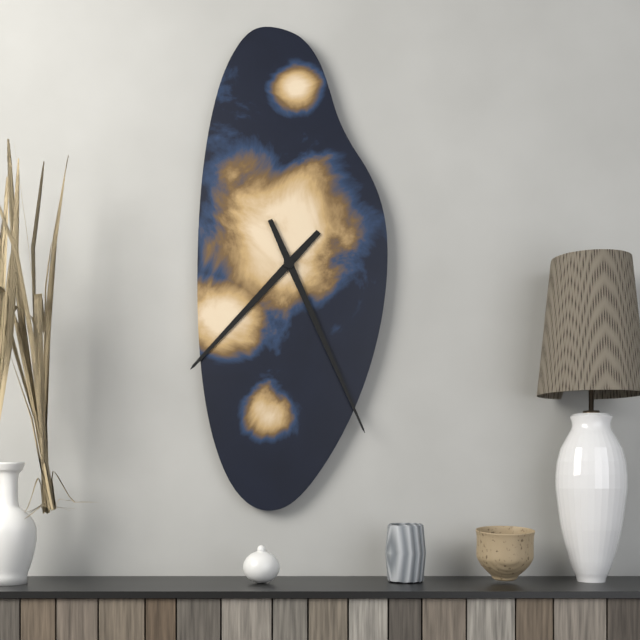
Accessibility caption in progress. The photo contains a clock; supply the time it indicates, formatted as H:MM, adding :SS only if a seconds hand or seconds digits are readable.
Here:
7:26
